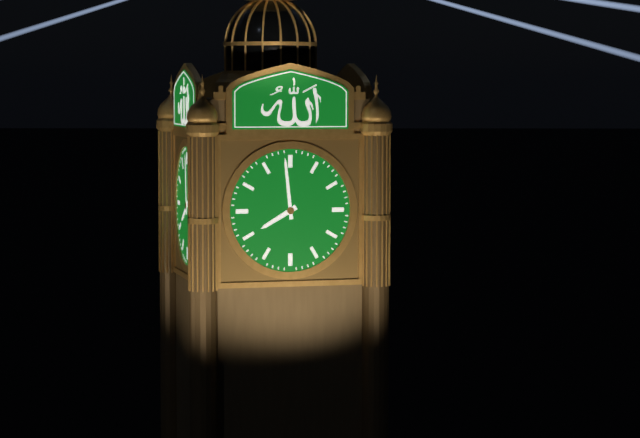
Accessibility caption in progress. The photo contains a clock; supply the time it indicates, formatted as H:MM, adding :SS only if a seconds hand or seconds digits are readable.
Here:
7:59
